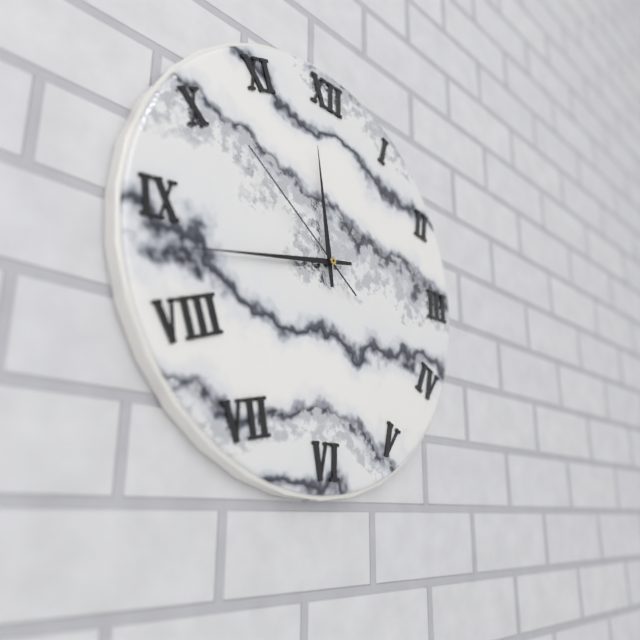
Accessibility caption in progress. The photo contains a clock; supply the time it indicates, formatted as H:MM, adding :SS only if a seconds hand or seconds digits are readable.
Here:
11:43:51
